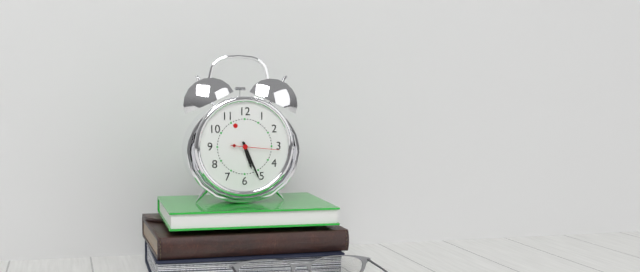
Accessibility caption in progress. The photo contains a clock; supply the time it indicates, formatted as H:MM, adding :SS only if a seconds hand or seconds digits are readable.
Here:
5:26
